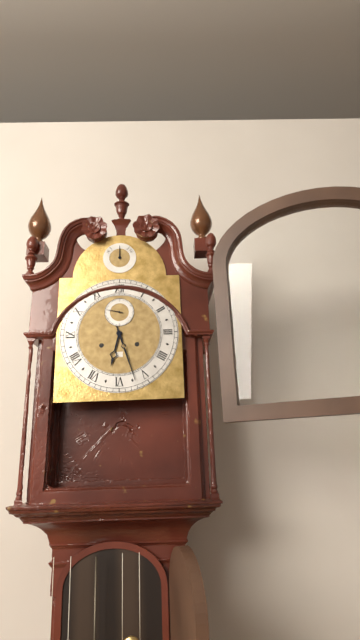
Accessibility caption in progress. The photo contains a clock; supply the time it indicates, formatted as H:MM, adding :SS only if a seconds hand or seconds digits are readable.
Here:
6:27
